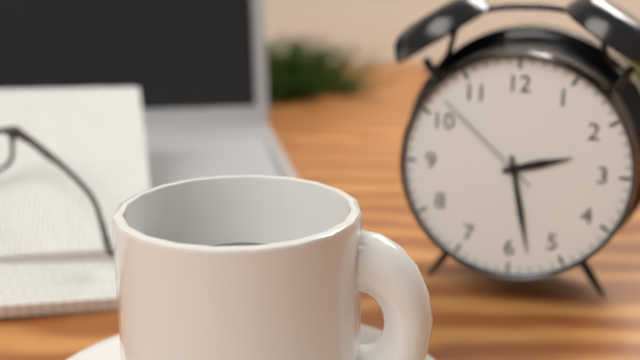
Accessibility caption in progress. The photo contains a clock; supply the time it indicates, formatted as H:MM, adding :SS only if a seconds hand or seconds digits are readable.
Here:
2:28:52
